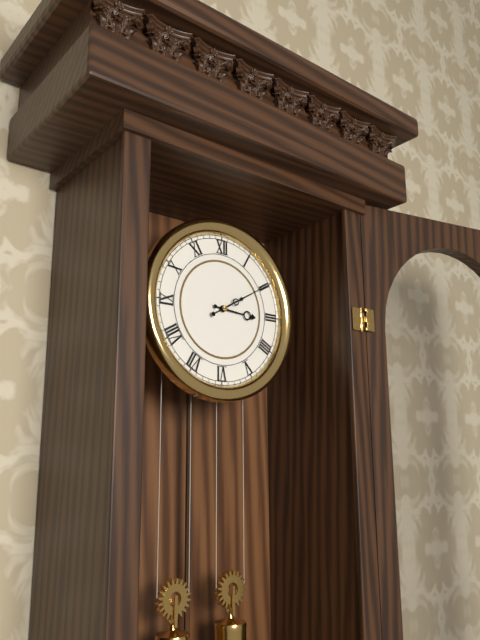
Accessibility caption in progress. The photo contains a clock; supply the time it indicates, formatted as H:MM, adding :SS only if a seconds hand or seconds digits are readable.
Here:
3:10
